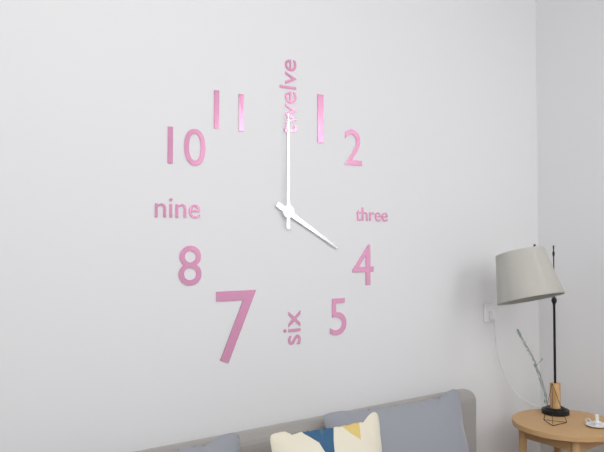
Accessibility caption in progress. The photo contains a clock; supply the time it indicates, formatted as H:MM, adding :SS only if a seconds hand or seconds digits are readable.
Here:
4:00
